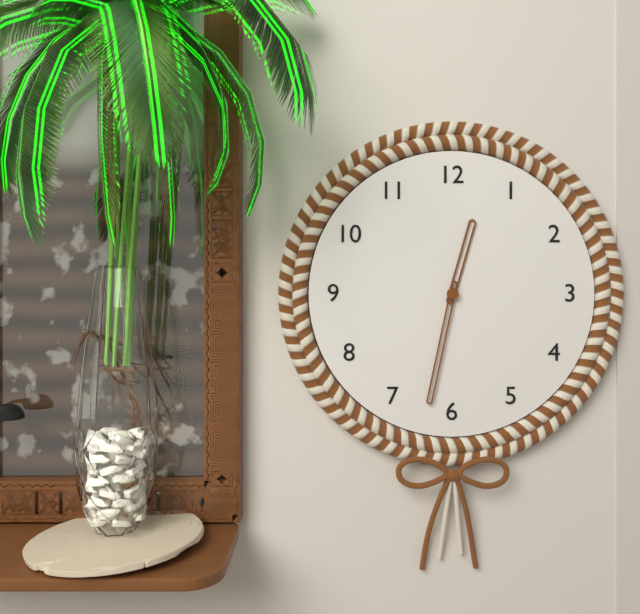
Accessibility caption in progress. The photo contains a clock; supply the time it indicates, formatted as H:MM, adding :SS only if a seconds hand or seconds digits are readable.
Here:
12:32
